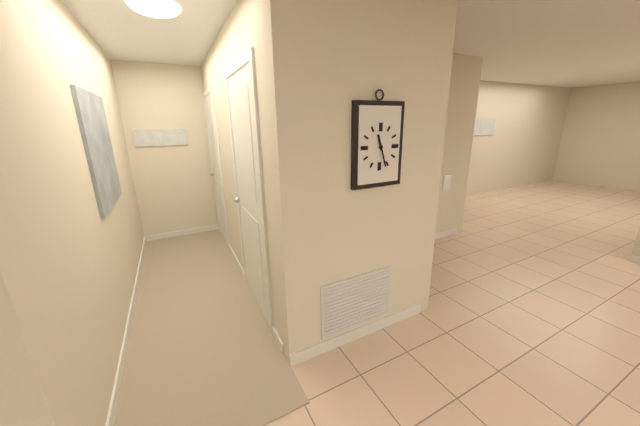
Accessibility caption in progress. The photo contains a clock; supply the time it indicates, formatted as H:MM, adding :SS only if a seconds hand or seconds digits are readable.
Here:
11:27
